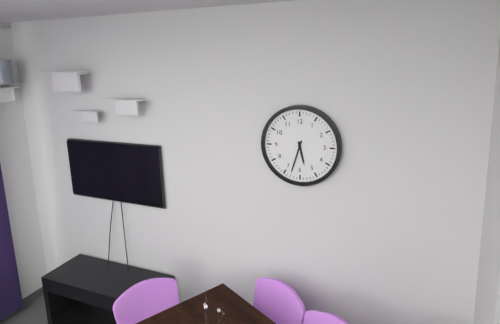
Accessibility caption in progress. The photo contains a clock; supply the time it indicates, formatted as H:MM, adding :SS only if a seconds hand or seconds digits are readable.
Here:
5:33
